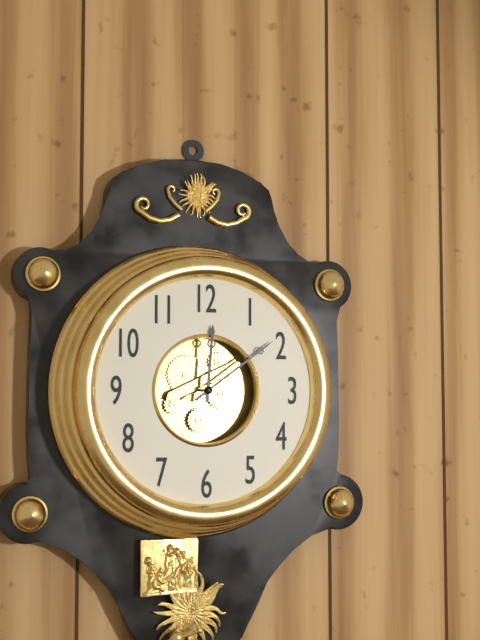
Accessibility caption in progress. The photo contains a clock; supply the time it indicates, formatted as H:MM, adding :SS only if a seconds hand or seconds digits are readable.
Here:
12:09
